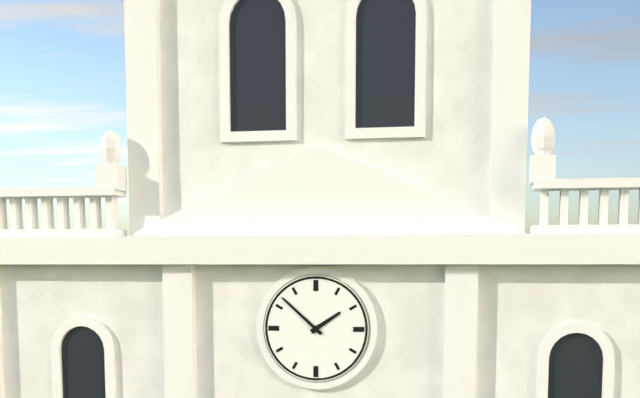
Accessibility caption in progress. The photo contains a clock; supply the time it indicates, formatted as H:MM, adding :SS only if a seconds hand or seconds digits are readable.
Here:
1:52
